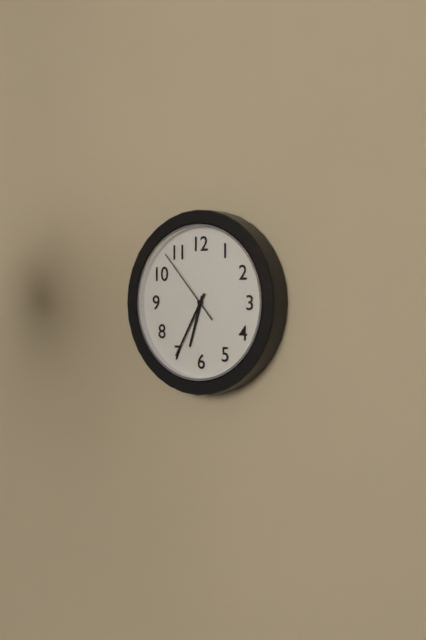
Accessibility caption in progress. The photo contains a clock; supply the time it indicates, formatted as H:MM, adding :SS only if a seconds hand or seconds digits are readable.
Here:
6:35:53
